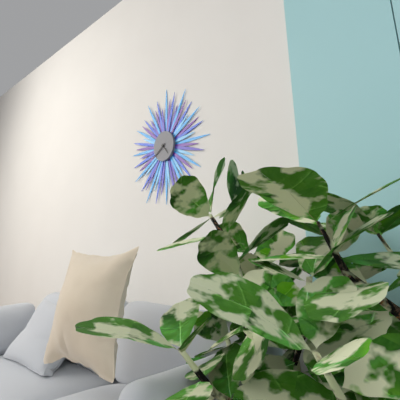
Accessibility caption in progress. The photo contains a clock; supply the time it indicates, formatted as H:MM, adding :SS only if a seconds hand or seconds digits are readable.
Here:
4:39
